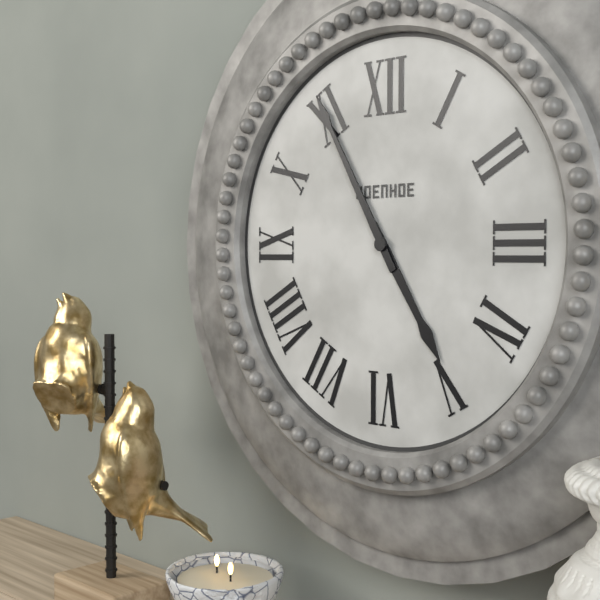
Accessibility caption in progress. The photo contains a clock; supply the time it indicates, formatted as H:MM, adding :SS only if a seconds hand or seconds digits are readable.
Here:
4:55
